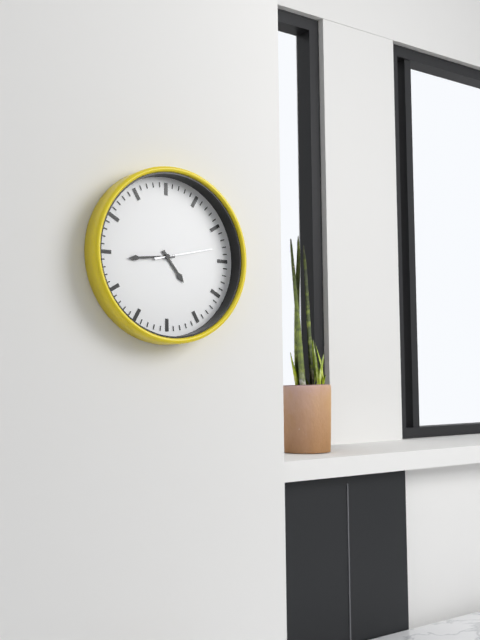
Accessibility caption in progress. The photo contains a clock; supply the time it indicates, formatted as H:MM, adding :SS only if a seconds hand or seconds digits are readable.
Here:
4:44:13
